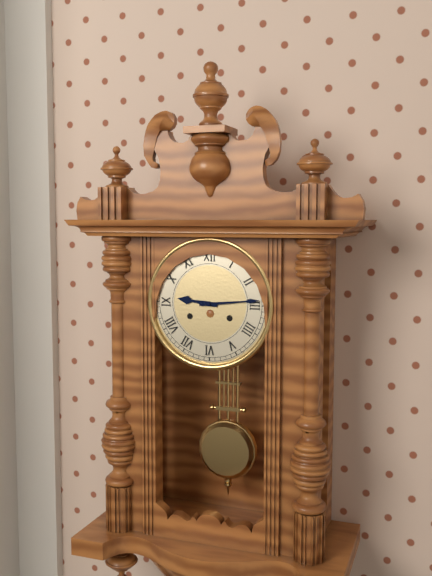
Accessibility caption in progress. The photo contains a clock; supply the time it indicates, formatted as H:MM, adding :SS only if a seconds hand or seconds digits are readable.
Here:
9:14
